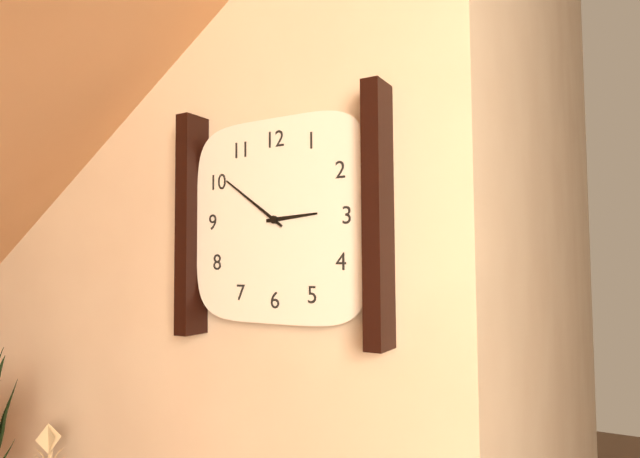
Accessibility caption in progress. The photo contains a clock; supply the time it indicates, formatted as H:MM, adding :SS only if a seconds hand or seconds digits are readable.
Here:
2:51
